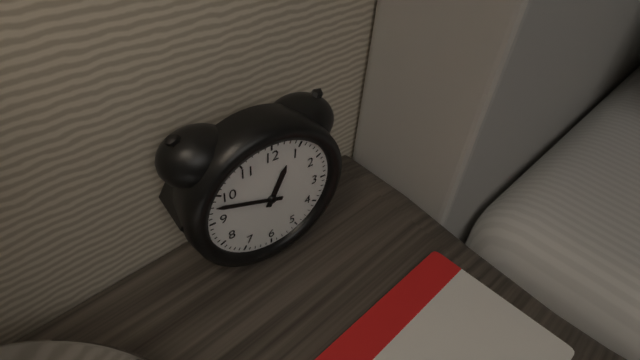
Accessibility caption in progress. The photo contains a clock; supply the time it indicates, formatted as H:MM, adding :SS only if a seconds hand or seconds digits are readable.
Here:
12:48
